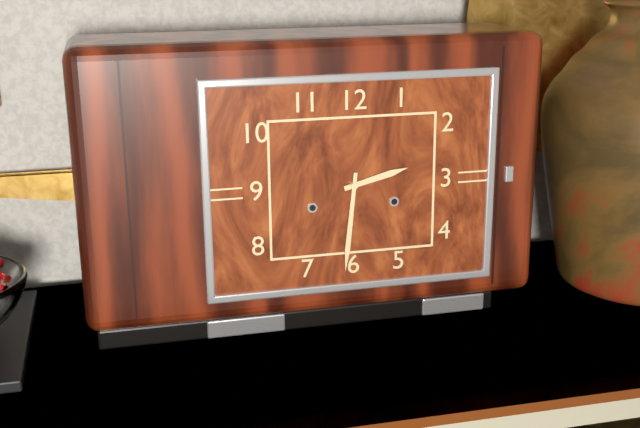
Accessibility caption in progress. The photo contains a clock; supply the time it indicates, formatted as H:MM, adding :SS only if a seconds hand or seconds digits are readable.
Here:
2:31
